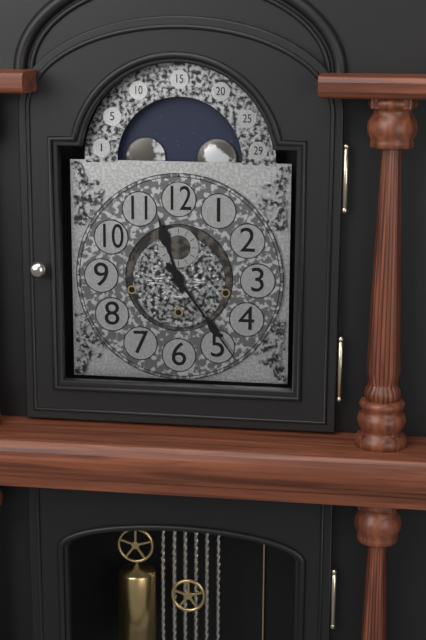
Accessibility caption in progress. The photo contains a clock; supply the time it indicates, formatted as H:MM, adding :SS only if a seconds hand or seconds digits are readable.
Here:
11:24
